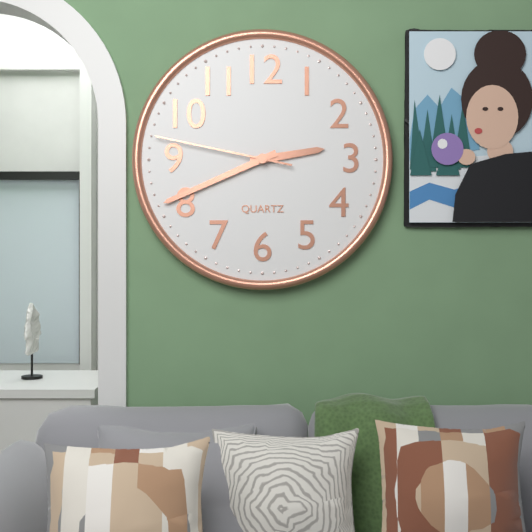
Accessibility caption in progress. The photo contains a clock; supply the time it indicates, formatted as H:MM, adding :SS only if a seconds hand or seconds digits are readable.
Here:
2:41:47
